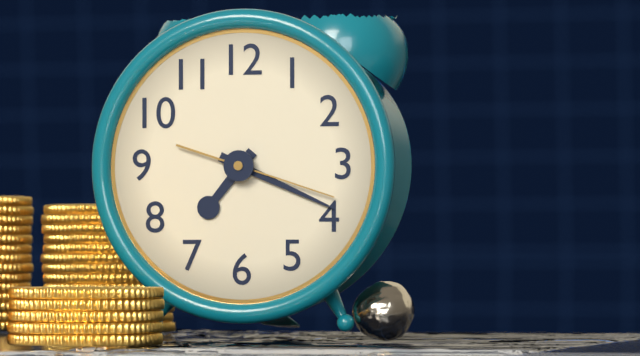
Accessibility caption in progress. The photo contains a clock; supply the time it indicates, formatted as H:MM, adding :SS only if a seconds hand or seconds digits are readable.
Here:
7:19:18
